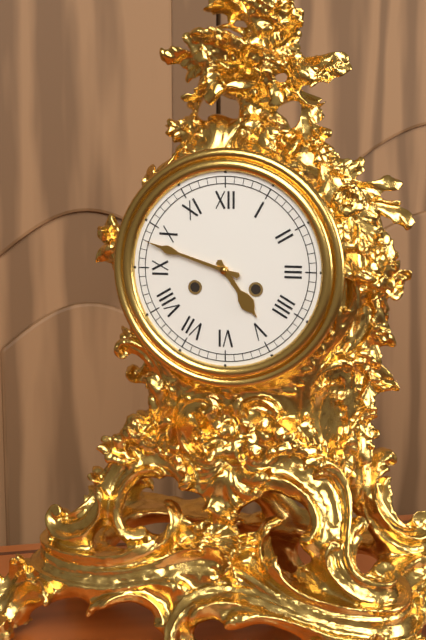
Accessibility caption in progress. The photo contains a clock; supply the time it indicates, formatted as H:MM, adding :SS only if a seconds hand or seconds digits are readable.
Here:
4:48
